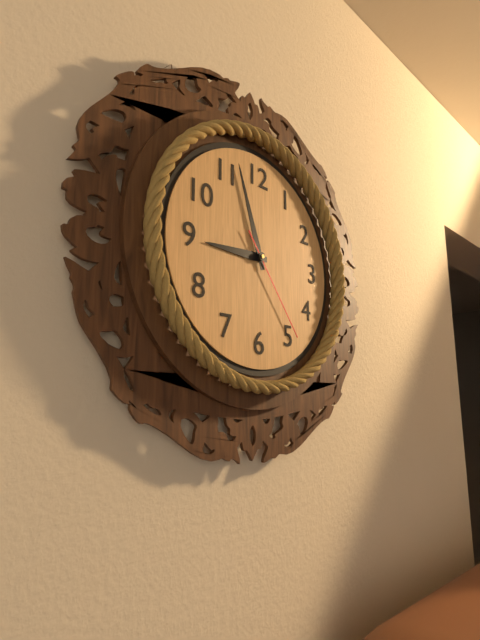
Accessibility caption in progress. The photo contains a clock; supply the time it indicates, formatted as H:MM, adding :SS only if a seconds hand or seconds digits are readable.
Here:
8:57:24
